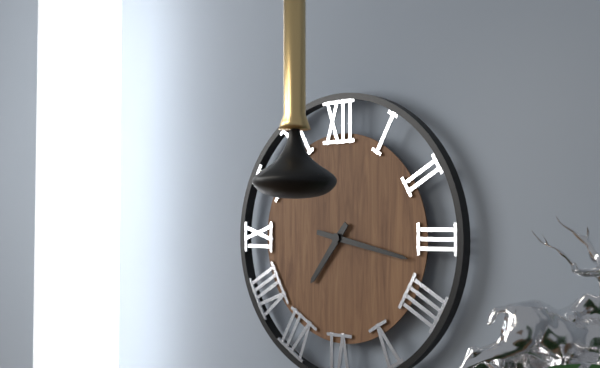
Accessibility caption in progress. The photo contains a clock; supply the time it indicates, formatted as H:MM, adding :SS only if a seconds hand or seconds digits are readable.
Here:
7:17
